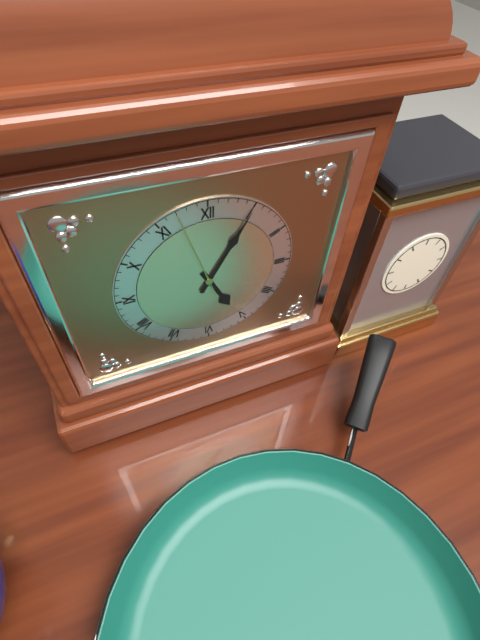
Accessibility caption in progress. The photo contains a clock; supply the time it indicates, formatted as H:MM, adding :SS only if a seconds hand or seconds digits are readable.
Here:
5:05:57
